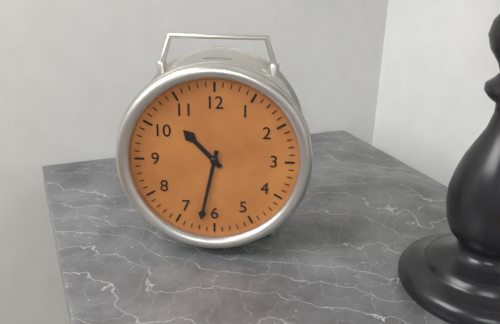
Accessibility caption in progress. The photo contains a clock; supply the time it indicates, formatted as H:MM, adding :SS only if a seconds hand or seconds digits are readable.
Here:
10:32
